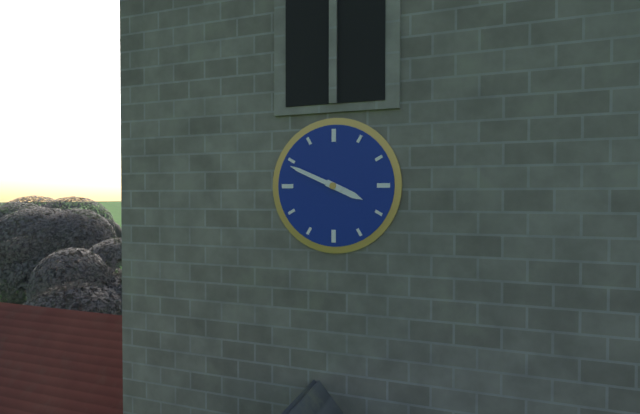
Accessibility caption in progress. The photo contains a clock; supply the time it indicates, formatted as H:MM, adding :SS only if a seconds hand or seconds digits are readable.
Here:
3:49
